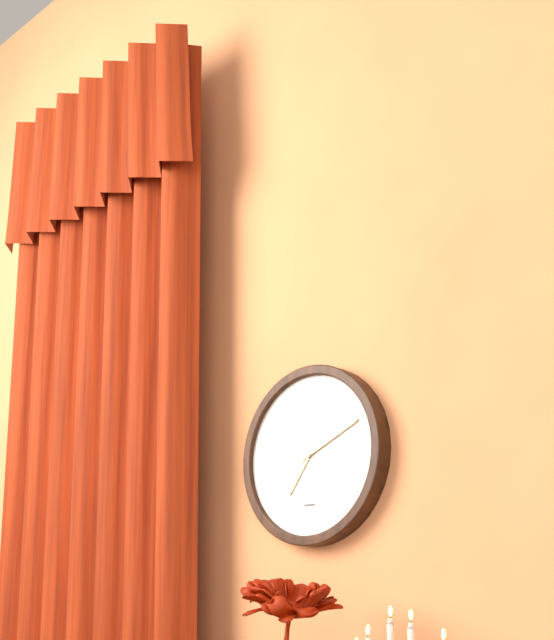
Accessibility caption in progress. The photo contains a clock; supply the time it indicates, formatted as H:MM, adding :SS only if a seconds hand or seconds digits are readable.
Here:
7:11
